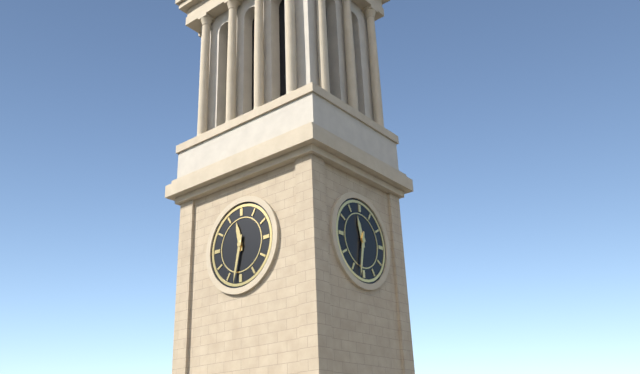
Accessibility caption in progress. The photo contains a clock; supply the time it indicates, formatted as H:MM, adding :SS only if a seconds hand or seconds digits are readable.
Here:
11:32
